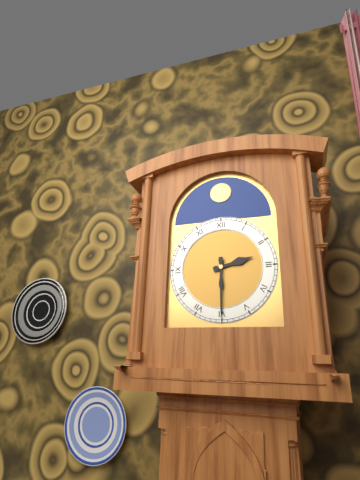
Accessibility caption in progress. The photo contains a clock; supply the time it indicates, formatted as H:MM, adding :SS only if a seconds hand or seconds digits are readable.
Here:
2:30
